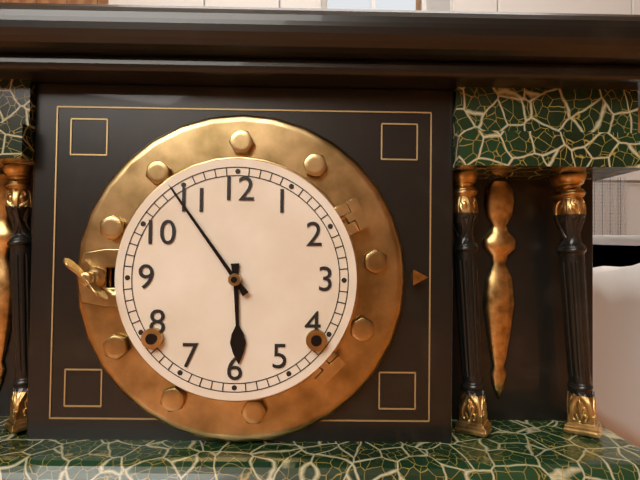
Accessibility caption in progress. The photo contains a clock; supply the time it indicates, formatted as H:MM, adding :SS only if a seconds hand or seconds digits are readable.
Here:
5:54
